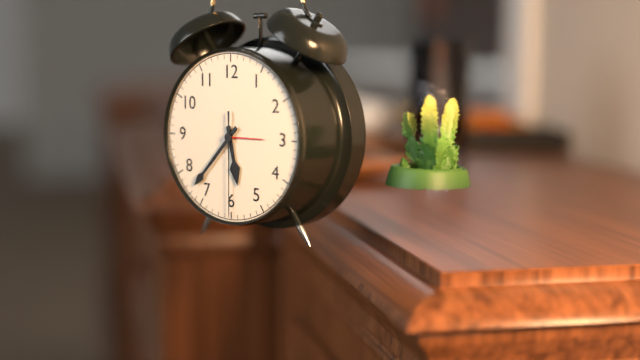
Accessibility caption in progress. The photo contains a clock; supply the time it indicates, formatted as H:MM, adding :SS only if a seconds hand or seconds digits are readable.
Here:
5:37:30
